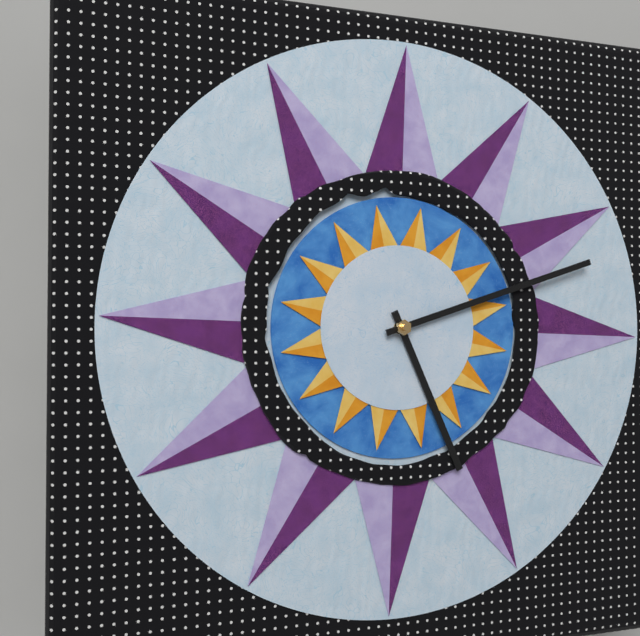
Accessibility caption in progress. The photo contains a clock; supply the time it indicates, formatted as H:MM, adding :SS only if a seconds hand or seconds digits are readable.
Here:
5:12
